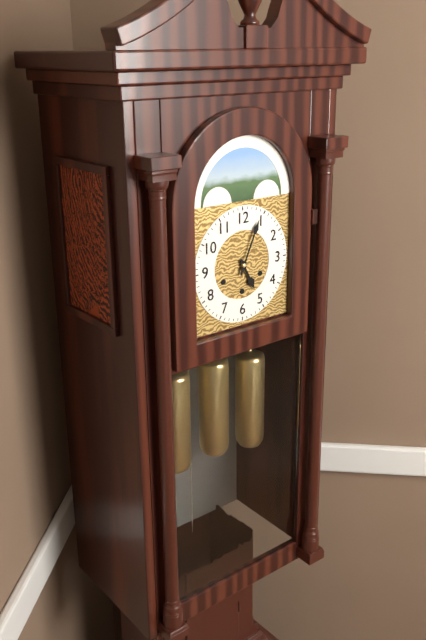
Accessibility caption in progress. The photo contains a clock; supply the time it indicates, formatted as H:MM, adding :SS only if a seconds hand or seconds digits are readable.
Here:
5:04
